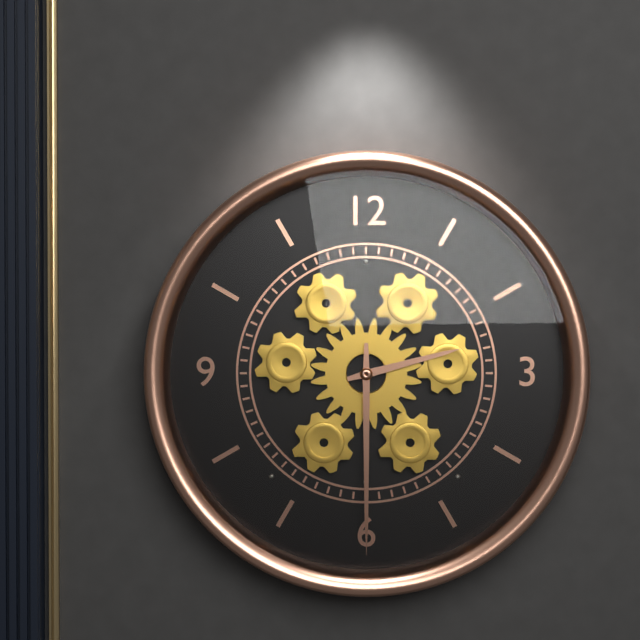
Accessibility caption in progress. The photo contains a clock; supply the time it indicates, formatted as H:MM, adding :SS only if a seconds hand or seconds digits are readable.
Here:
2:30
